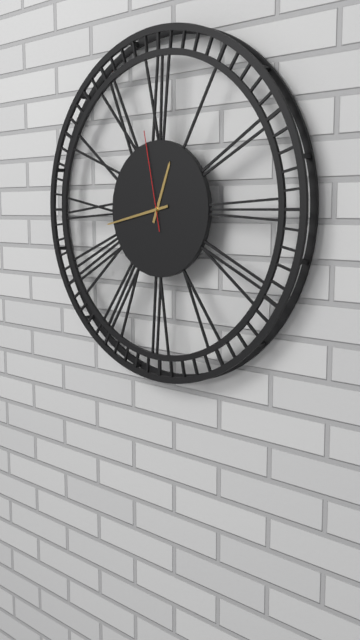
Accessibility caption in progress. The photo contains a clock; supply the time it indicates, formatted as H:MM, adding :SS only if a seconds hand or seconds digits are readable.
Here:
12:43:58
